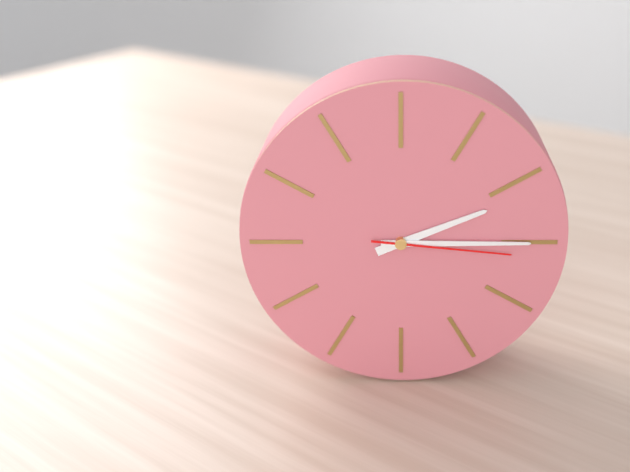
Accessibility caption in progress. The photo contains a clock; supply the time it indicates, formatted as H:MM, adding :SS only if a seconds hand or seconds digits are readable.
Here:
2:15:16
